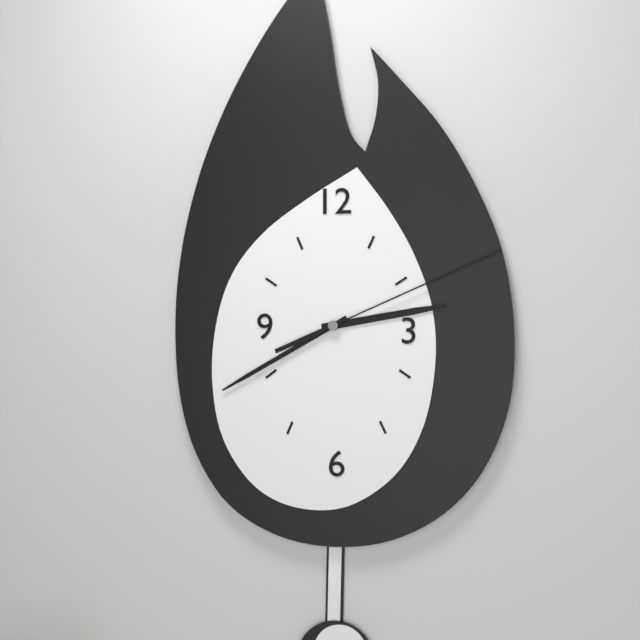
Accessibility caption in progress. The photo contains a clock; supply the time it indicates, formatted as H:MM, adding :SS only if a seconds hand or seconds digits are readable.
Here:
2:40:11
